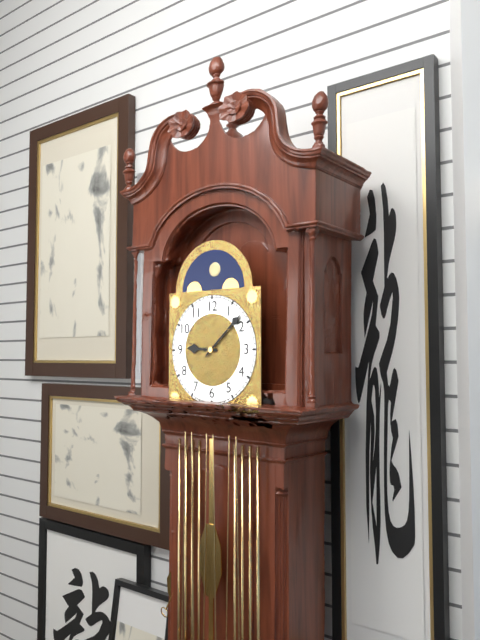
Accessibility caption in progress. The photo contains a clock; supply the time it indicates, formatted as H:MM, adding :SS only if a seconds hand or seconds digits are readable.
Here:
9:08
